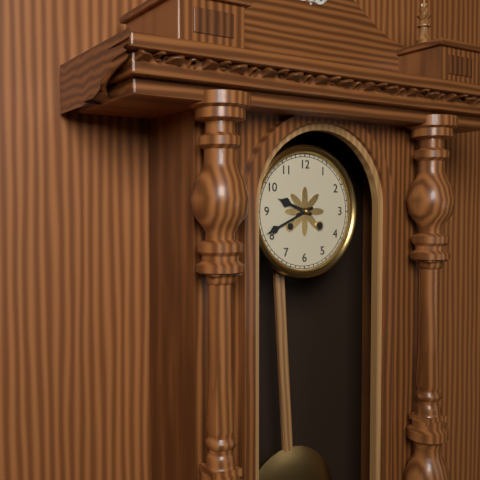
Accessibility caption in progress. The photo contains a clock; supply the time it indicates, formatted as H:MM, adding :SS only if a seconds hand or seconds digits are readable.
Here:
9:41
